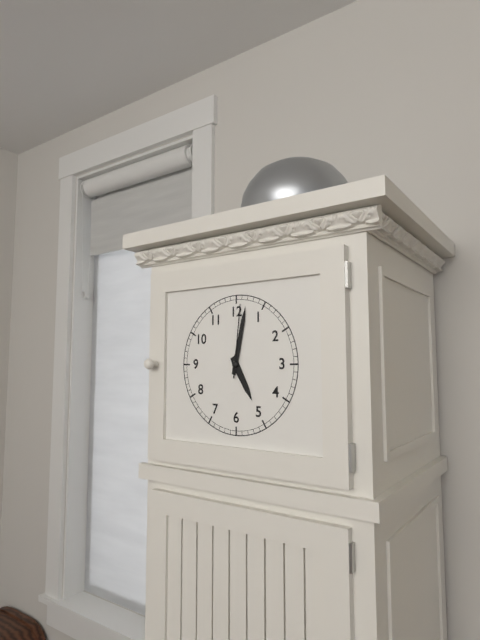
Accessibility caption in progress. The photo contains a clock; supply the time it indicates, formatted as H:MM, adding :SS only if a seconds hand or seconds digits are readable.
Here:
5:02:01
